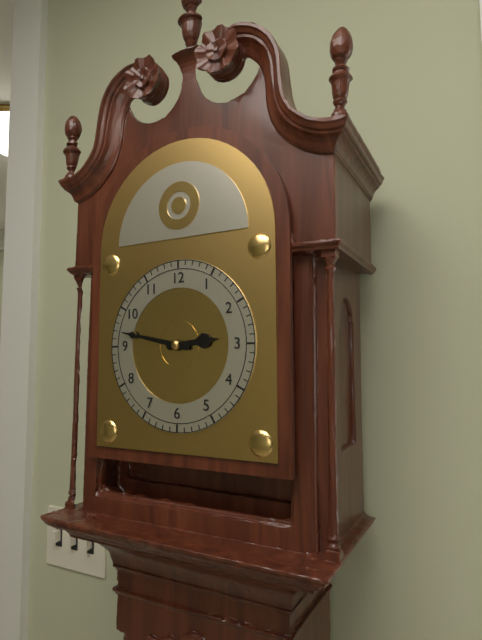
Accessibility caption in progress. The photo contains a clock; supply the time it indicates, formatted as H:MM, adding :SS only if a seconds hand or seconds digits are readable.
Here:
2:47
